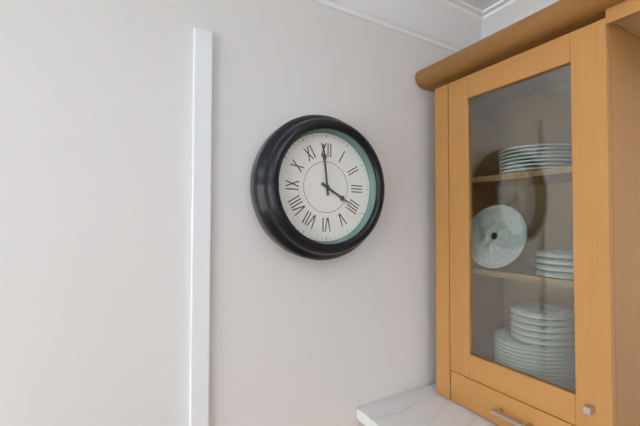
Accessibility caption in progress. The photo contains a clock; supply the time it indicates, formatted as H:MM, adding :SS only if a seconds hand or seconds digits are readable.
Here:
3:59
